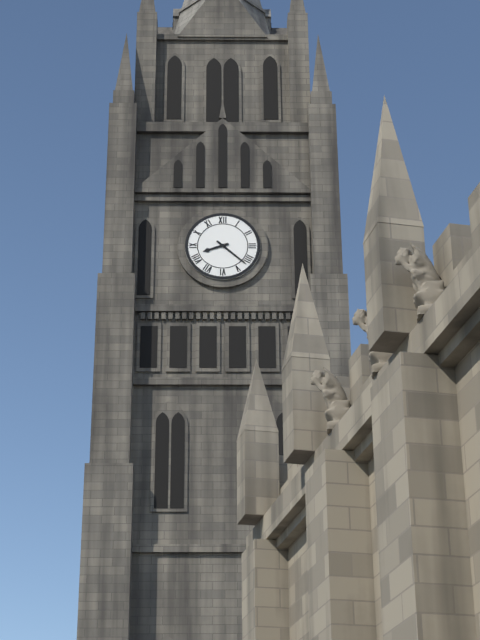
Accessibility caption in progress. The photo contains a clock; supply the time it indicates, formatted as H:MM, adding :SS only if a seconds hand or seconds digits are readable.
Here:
8:22
